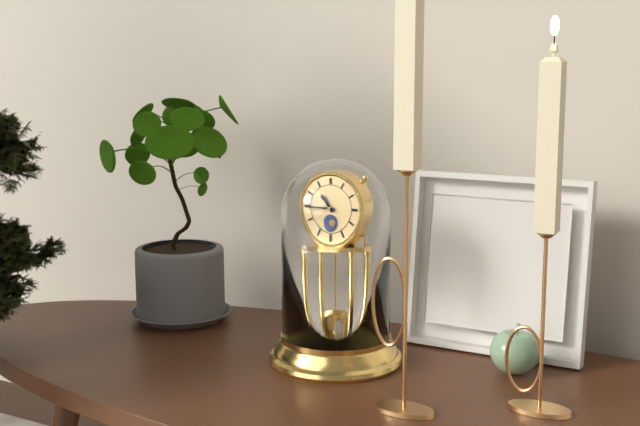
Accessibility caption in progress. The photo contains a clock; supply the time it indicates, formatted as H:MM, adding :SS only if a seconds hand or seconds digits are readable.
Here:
10:45
